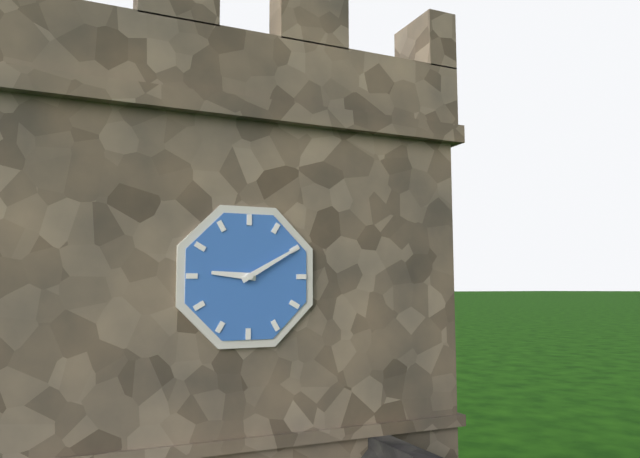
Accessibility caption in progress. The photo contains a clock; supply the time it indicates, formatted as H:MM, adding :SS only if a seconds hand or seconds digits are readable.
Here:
9:10
